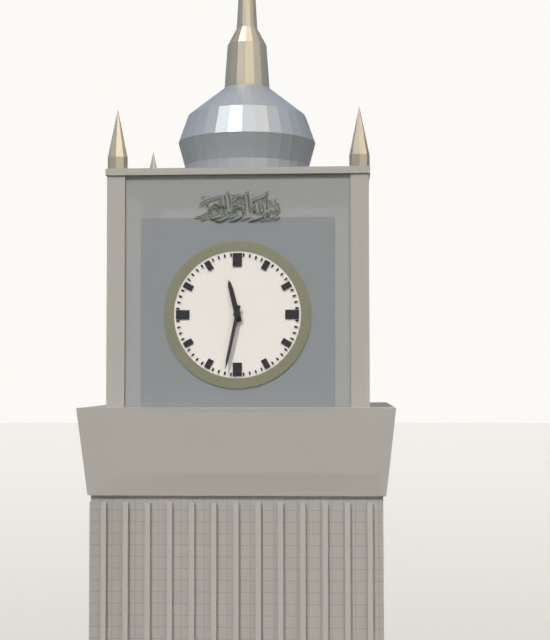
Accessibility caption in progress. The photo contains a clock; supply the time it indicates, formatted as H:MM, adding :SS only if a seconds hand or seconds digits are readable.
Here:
11:32
